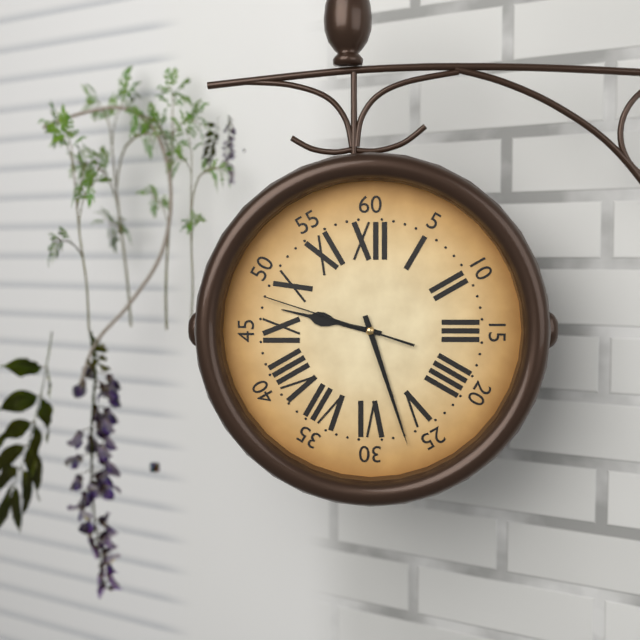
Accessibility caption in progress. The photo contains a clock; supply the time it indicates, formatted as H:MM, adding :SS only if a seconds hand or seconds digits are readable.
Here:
9:27:48
